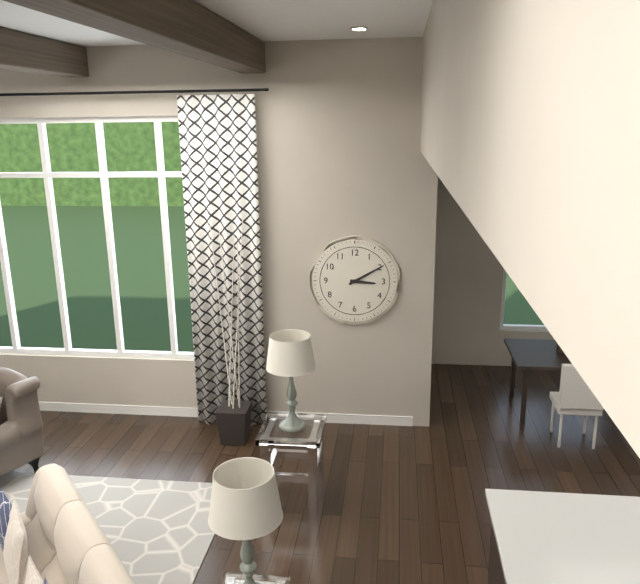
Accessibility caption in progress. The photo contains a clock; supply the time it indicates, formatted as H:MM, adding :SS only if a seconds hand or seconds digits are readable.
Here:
3:10
